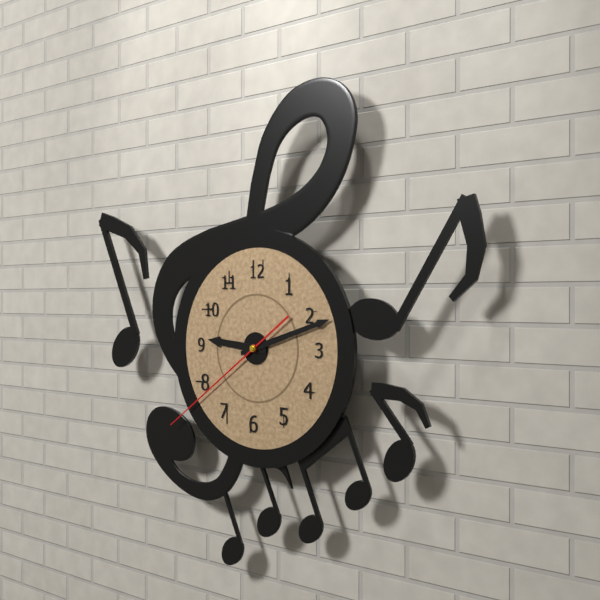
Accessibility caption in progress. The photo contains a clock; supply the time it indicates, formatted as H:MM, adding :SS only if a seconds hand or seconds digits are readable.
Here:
9:12:39
